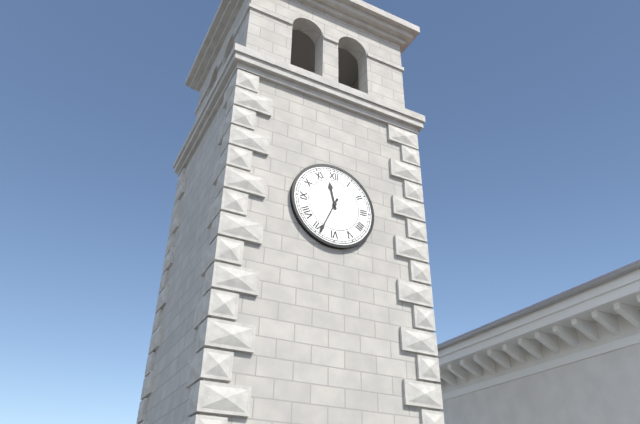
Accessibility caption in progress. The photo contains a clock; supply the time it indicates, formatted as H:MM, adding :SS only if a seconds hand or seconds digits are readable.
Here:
11:34
